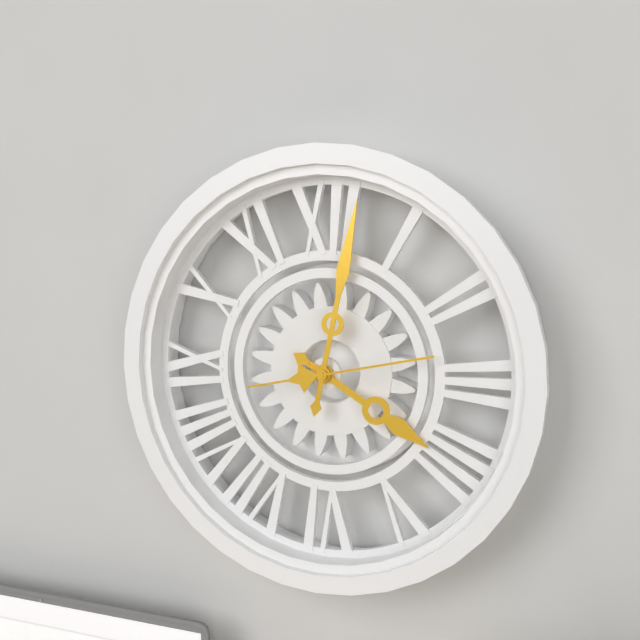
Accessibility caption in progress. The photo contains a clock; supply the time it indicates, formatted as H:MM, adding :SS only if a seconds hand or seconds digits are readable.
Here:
4:02:13
